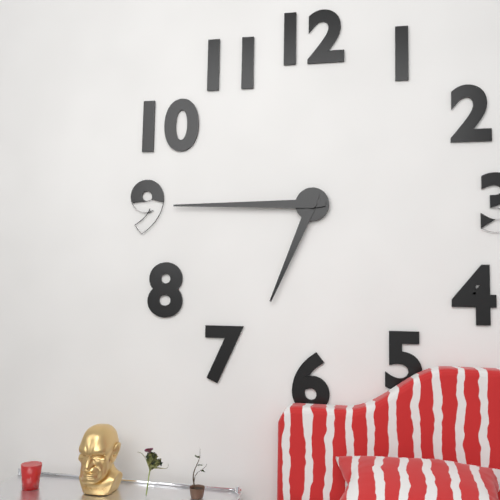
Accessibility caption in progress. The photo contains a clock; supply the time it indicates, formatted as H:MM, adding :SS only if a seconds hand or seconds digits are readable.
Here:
6:45
